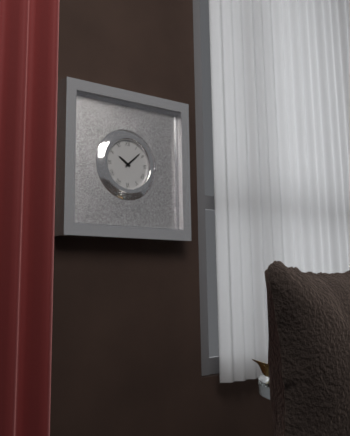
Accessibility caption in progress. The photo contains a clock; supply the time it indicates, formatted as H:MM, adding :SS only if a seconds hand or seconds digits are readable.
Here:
10:08
